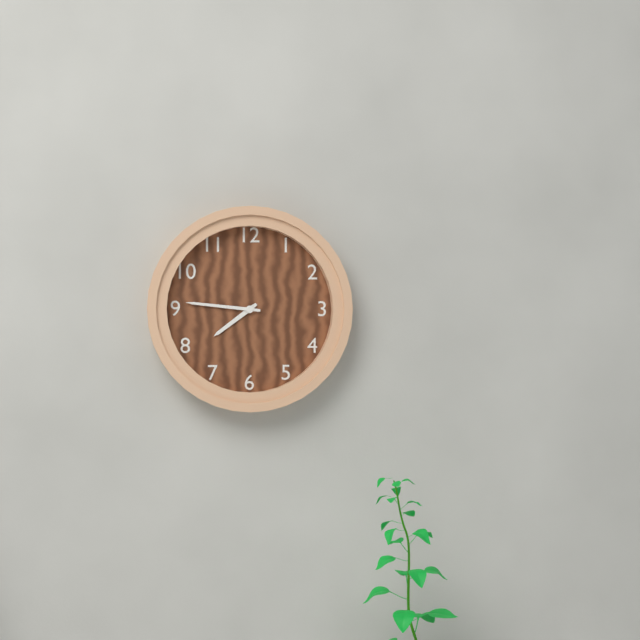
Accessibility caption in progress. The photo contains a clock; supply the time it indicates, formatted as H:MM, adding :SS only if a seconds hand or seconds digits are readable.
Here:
7:46
